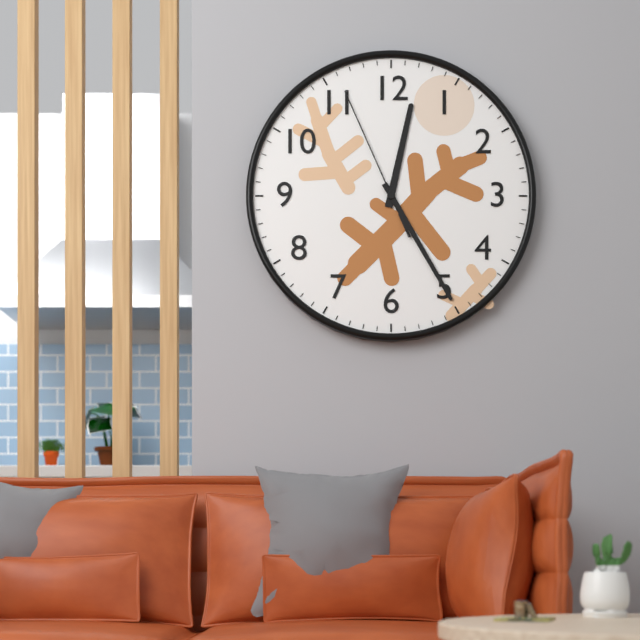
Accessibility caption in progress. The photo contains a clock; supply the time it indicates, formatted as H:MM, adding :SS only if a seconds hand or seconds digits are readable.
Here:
12:25:56
